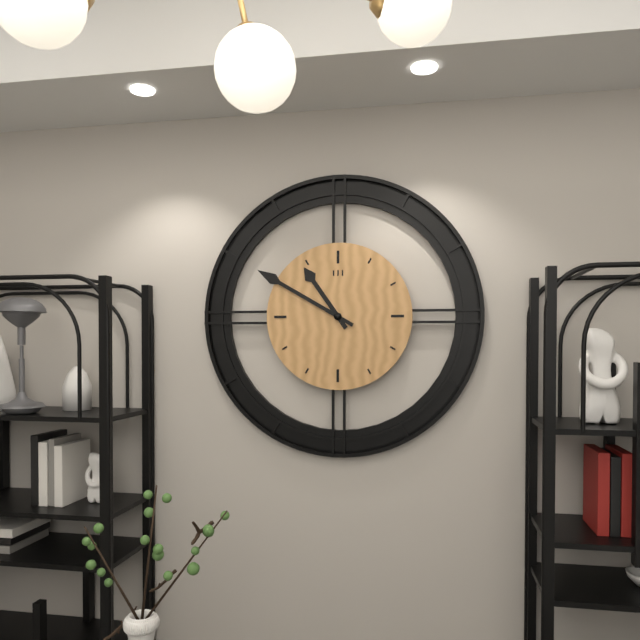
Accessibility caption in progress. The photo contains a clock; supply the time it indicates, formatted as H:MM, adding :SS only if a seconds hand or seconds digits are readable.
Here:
10:50
